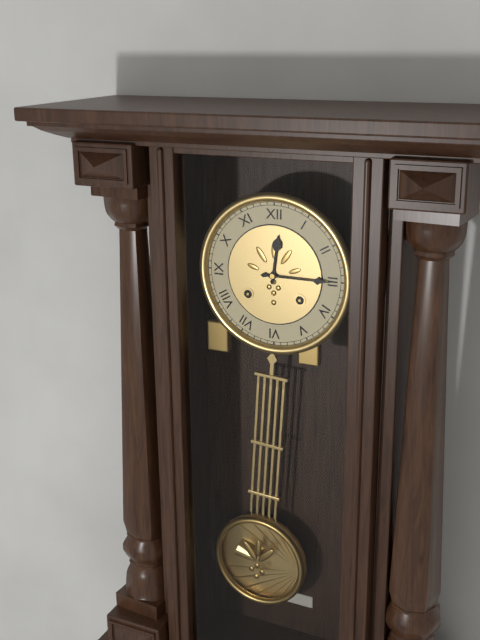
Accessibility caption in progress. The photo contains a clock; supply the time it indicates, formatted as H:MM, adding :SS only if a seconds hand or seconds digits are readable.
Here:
12:15
